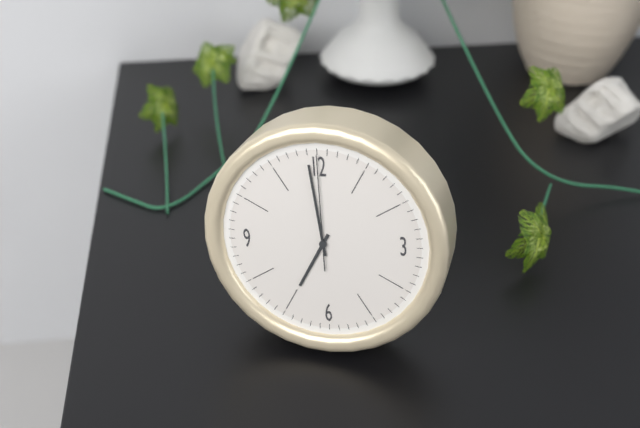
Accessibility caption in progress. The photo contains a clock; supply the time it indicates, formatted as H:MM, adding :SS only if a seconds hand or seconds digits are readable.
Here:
6:59:00
